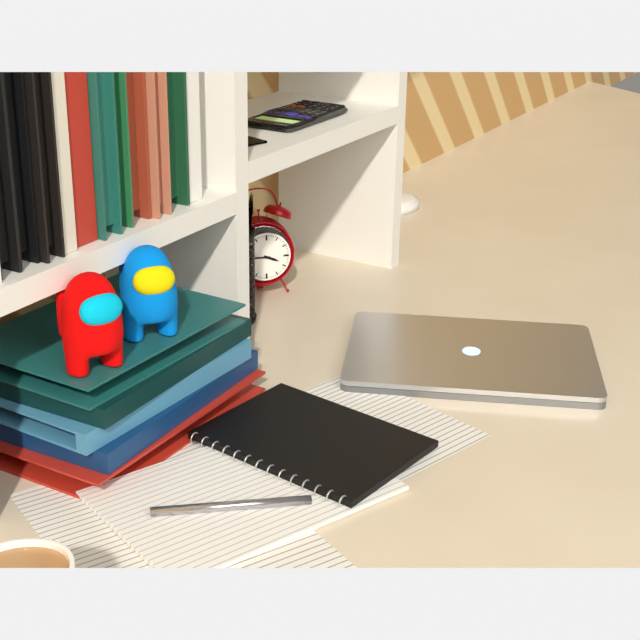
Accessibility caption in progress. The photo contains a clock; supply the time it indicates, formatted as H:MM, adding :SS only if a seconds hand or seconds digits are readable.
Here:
3:45
